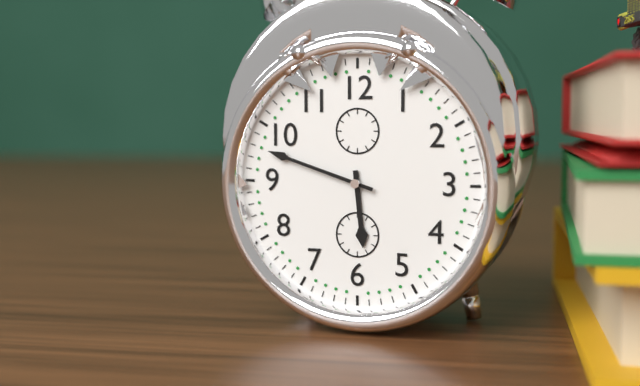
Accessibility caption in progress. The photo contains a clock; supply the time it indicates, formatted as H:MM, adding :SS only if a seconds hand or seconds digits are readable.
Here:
5:48
